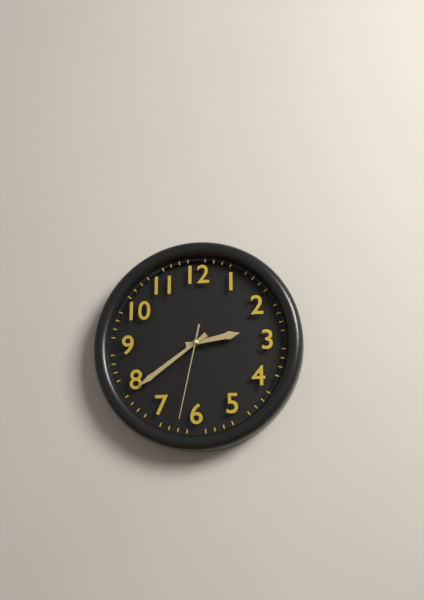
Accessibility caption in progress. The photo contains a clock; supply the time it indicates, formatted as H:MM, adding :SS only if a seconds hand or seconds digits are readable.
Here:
2:39:32
